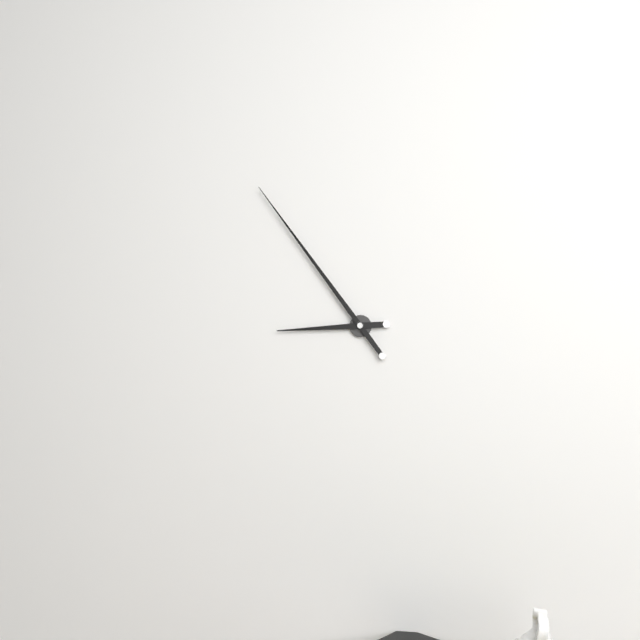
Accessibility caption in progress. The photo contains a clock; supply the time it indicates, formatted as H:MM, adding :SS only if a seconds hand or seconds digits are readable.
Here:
8:54
